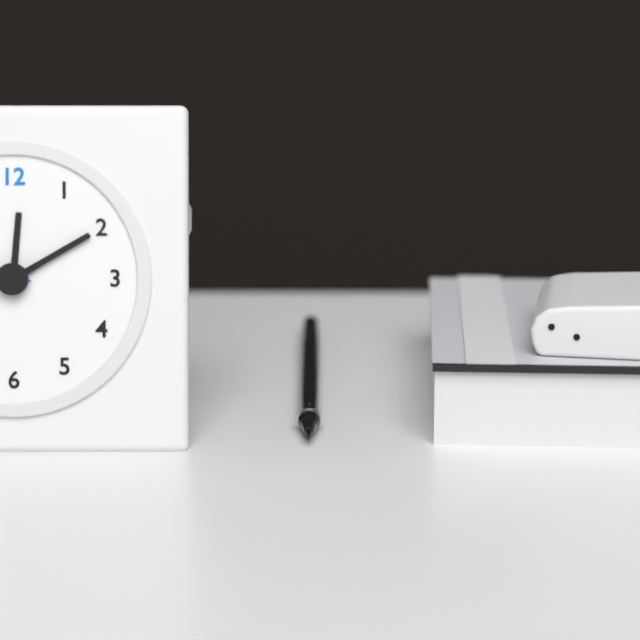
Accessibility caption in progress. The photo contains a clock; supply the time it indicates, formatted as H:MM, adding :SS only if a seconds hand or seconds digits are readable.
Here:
12:10
